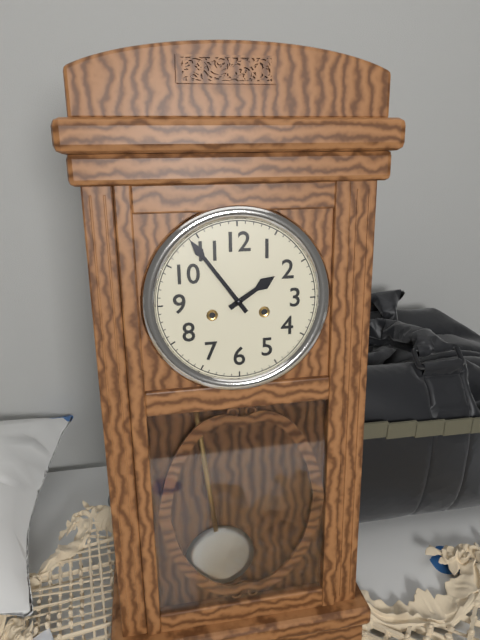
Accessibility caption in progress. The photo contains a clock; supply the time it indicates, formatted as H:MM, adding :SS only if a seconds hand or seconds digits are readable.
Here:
1:54
